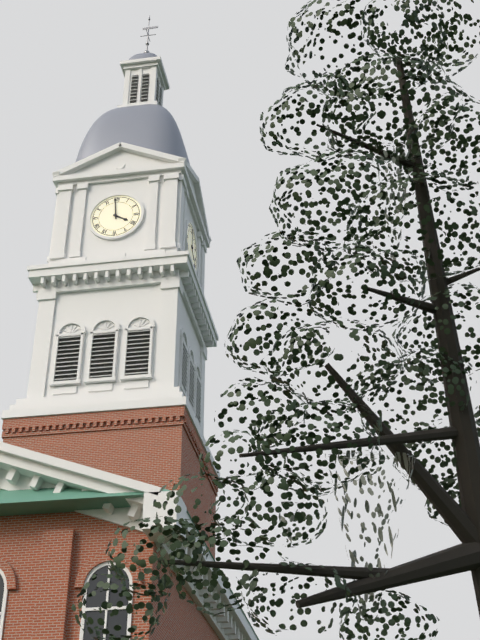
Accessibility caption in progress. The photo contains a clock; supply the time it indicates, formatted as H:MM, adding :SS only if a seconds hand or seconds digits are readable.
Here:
3:59
